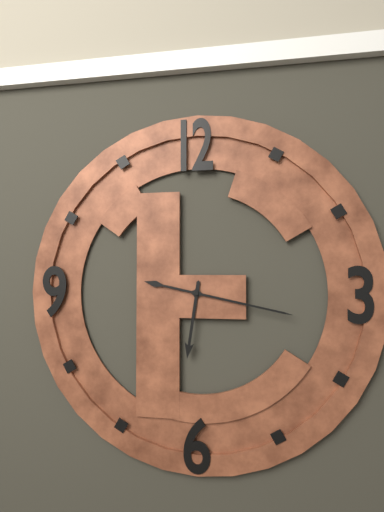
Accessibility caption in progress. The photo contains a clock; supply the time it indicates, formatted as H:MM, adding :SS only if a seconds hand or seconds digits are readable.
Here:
6:17
